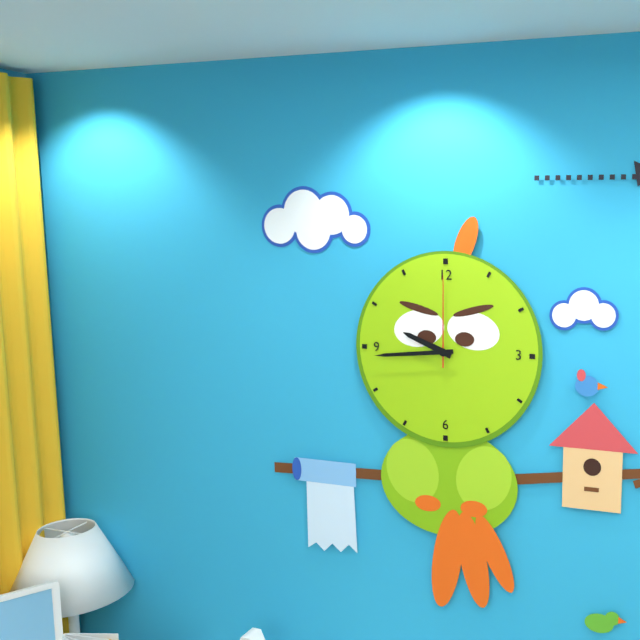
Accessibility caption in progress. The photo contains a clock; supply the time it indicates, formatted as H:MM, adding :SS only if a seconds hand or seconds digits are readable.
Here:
9:44:00
